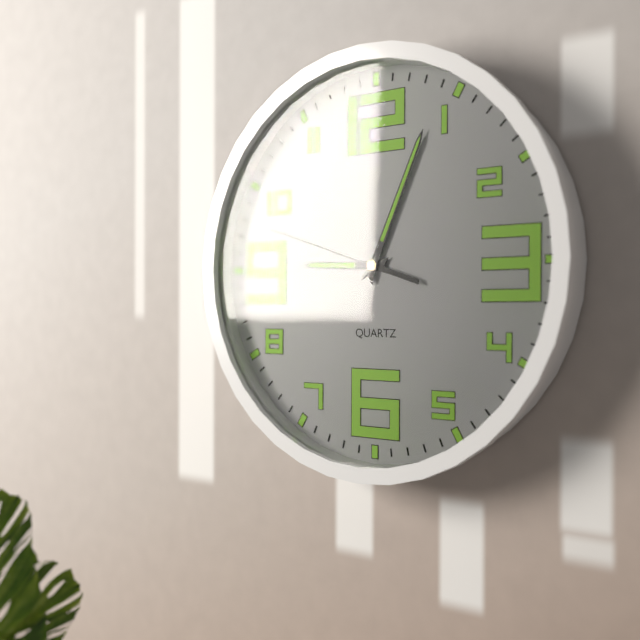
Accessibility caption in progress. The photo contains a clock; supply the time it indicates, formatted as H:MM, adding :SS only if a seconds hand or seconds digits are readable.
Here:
9:04:48
